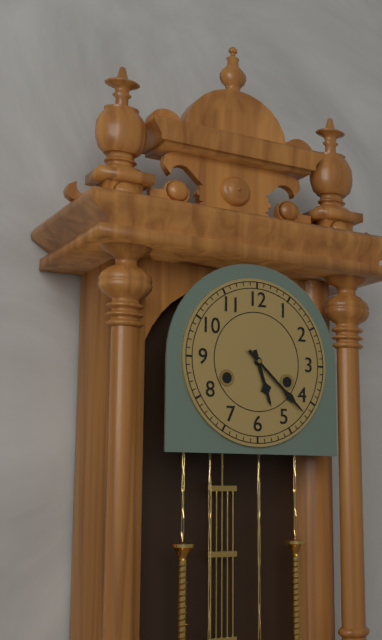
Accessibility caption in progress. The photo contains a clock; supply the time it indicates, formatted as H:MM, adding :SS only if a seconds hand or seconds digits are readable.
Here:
5:22
